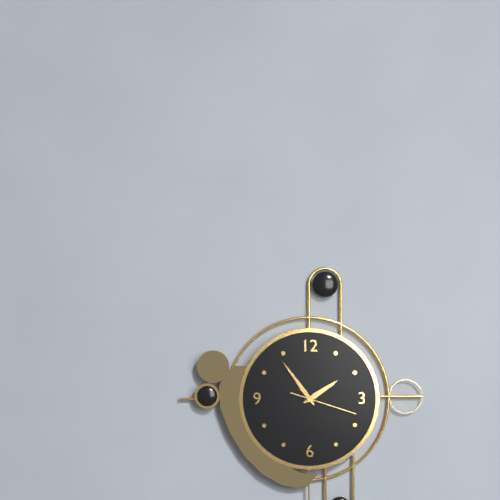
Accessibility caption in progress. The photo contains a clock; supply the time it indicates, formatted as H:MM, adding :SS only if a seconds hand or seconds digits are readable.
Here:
1:54:18
